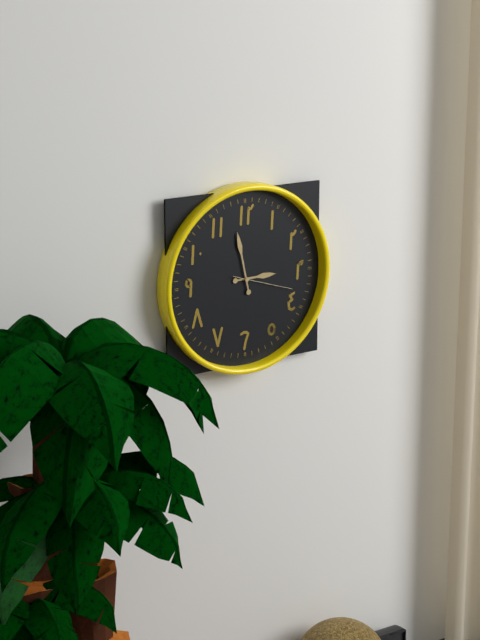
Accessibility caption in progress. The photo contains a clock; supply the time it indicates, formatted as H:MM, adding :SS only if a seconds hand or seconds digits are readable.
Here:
2:58:18
